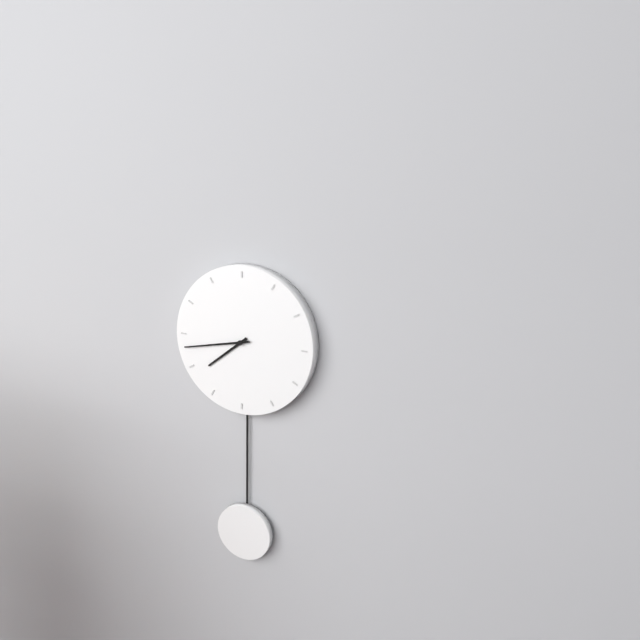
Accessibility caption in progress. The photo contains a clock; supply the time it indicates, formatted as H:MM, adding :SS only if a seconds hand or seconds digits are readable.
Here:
7:43
